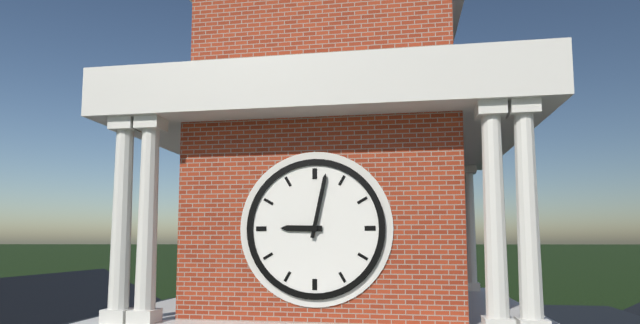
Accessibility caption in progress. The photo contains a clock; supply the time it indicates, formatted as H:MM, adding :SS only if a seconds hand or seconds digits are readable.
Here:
9:02
